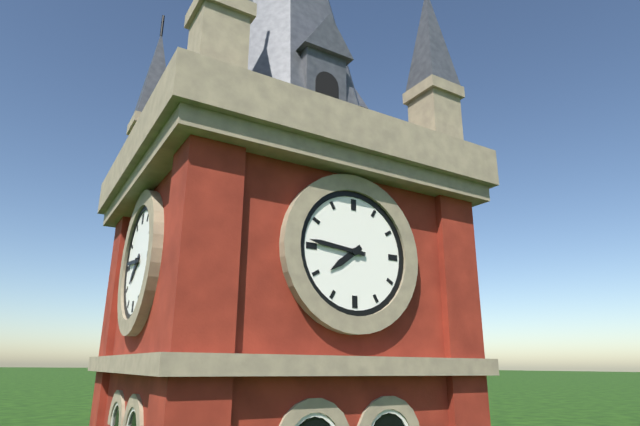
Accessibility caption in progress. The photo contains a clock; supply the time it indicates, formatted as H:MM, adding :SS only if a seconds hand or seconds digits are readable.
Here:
7:46
